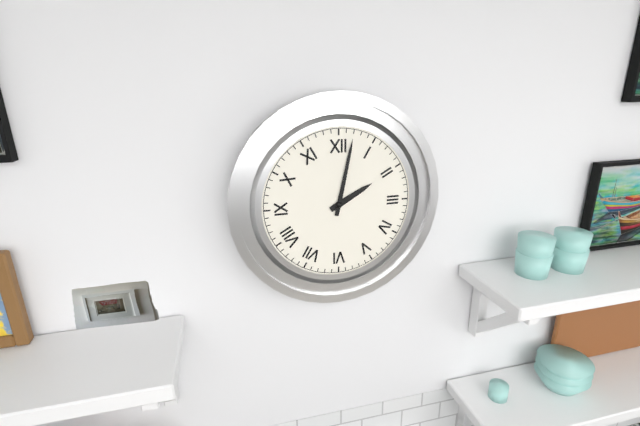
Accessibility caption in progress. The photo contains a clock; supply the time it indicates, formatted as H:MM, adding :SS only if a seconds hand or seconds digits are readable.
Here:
2:02
